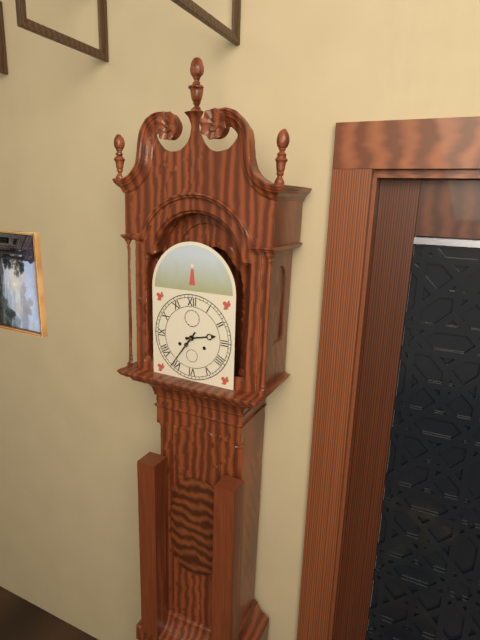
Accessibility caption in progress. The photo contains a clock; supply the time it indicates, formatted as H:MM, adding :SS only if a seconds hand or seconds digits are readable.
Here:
2:36
